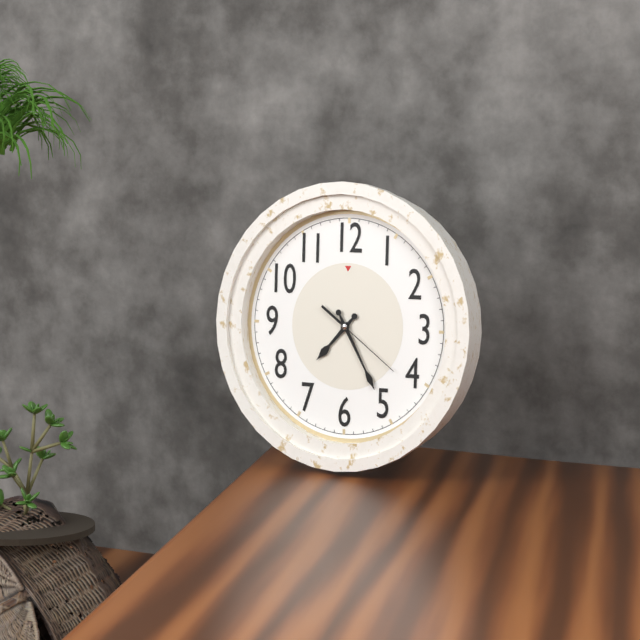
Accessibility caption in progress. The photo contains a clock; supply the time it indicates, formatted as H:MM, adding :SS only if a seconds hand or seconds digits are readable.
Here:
7:25:21
